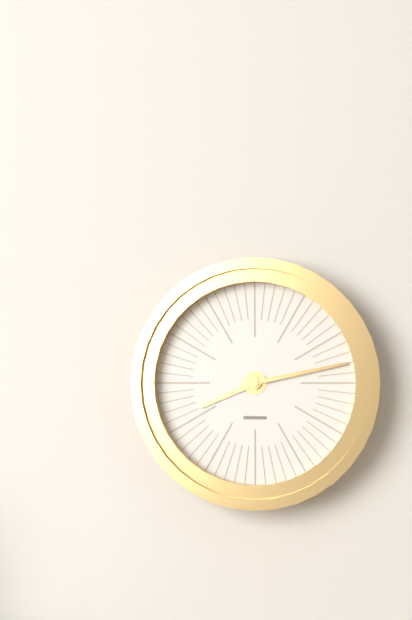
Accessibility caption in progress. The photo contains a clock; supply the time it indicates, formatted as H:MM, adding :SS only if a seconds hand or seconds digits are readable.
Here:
8:13
